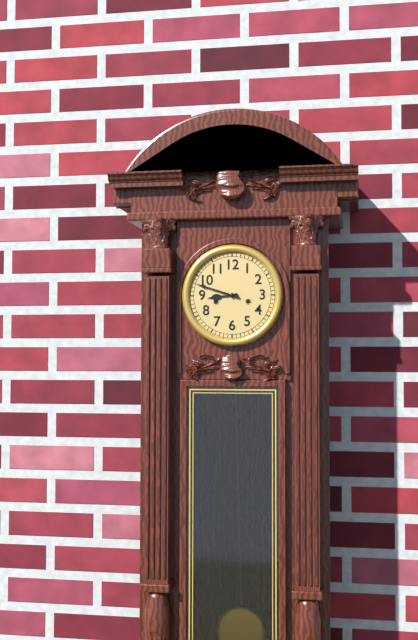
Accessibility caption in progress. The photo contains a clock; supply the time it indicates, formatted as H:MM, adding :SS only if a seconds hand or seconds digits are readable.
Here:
8:48
